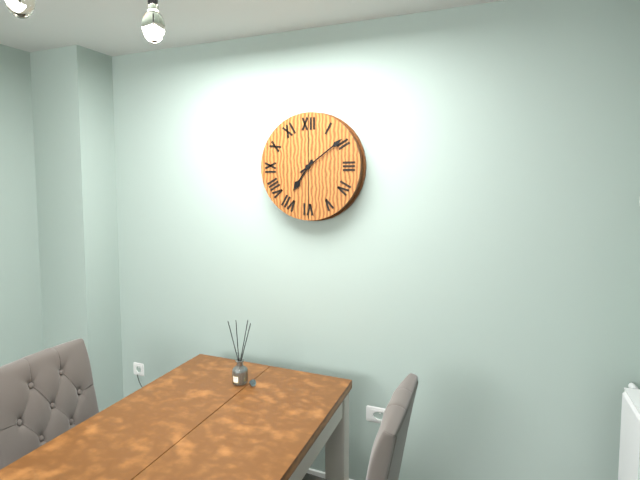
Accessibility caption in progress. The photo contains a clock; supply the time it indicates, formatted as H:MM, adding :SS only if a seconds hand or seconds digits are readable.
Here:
7:09
